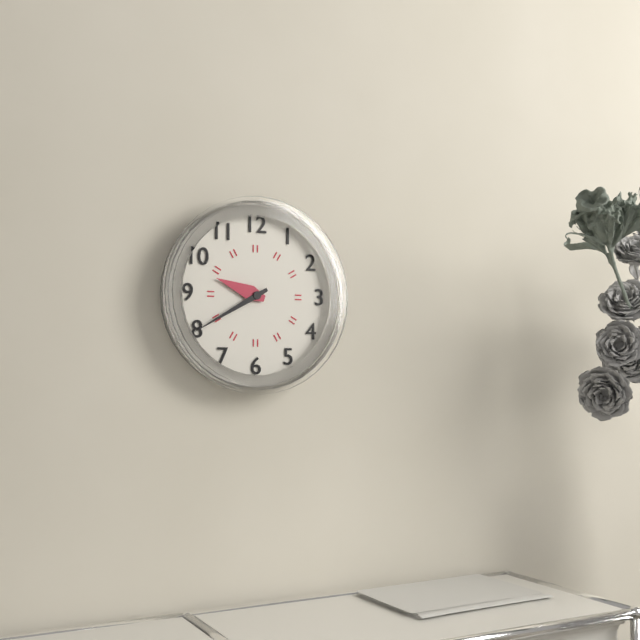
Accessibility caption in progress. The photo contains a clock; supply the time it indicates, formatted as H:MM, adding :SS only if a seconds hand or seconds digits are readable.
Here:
9:40
